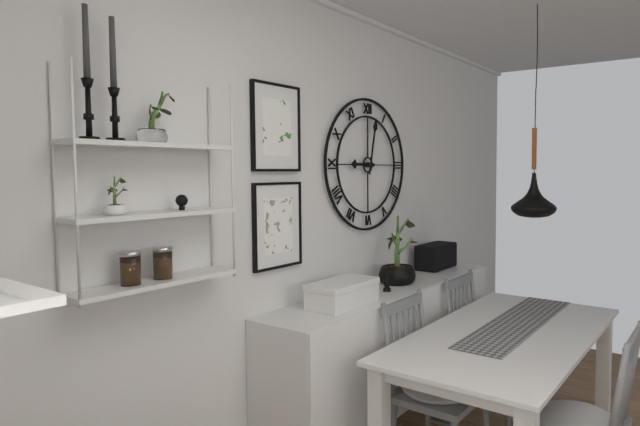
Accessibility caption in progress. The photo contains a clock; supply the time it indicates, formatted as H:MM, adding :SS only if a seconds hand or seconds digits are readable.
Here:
9:02
